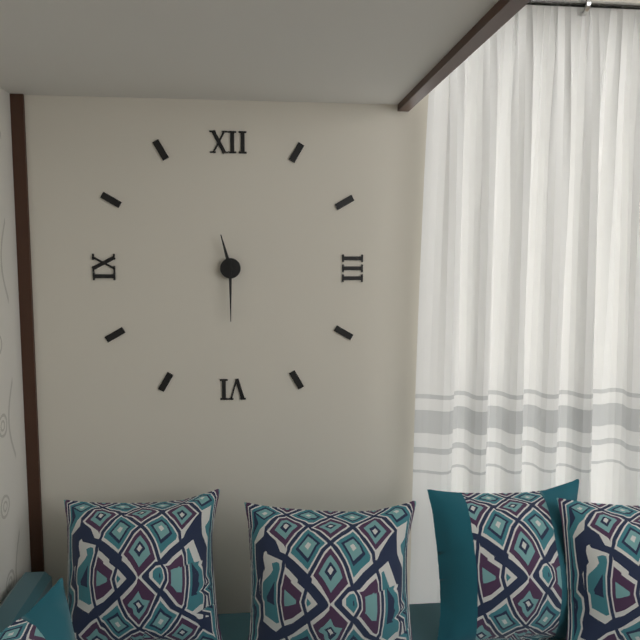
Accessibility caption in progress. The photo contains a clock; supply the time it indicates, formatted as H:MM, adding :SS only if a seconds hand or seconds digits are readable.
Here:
11:30
